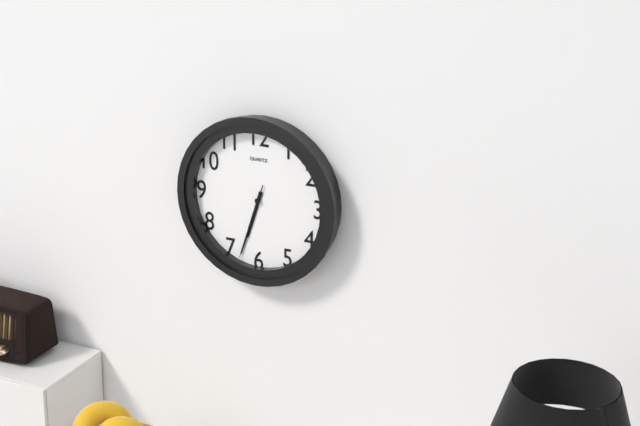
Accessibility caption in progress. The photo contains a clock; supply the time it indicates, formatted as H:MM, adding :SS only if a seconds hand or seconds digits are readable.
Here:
6:33:33
